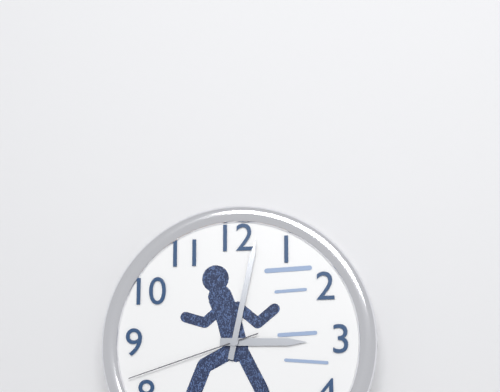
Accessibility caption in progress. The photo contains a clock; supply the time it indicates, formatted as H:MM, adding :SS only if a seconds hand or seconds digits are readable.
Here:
3:02:42
